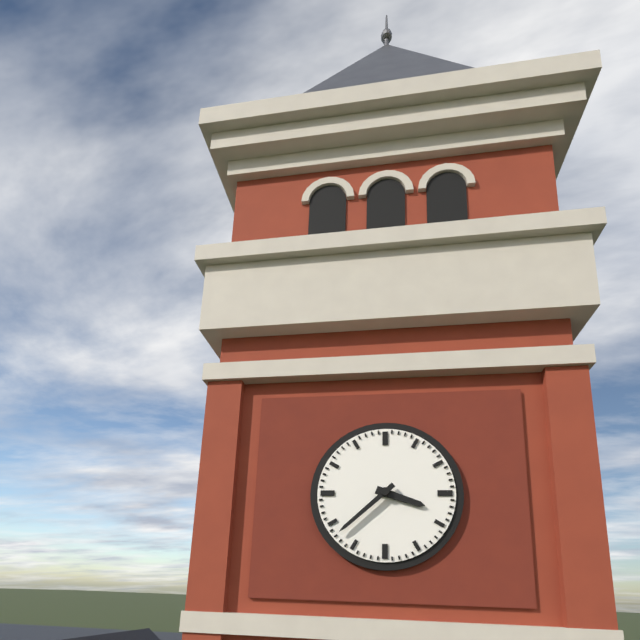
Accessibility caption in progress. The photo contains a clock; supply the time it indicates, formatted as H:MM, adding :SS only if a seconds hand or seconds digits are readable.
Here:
3:38
